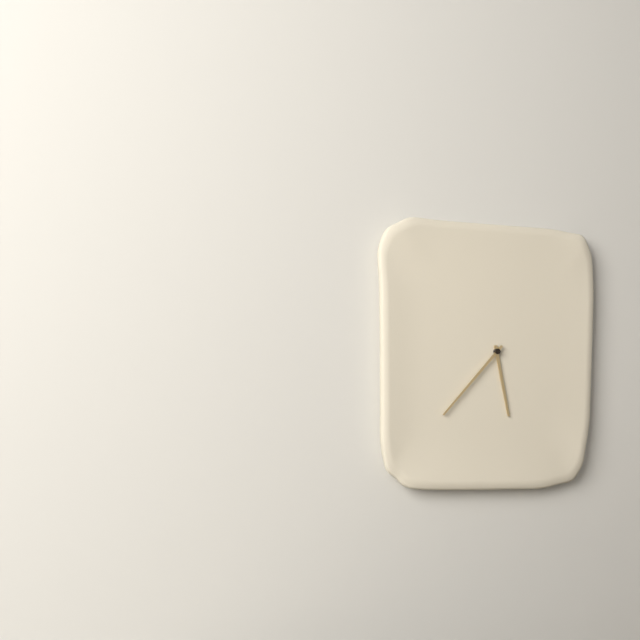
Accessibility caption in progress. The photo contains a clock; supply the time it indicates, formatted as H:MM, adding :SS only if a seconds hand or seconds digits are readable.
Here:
5:37
